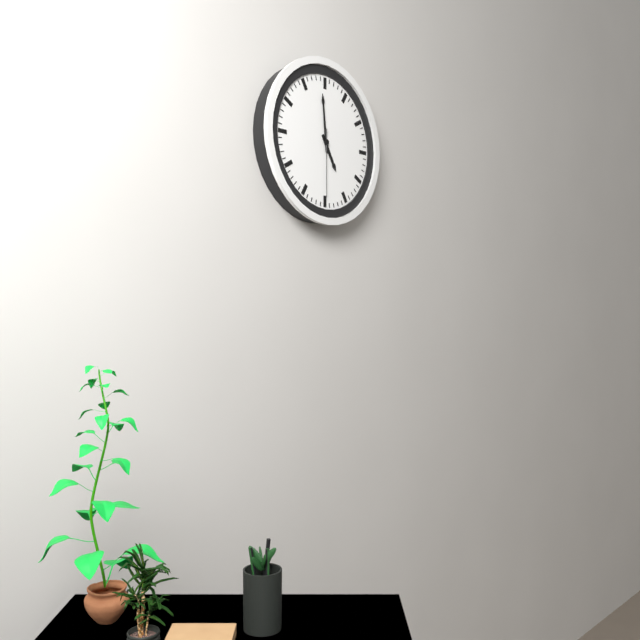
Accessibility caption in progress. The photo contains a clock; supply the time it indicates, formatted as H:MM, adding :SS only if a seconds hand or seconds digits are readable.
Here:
4:59:30
